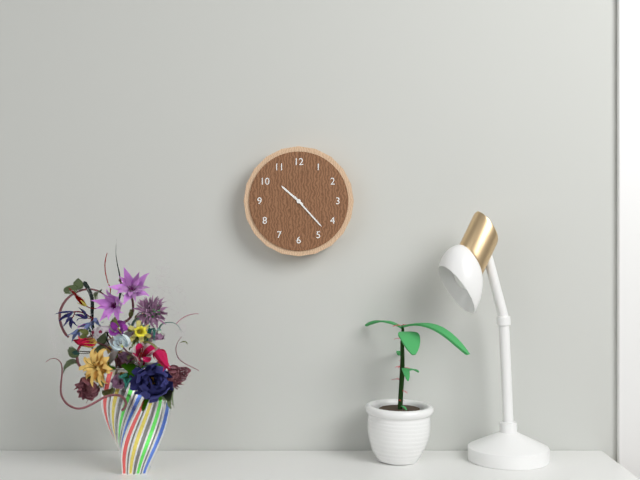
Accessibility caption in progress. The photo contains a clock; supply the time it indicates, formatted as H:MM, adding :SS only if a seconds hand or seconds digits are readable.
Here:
10:23
